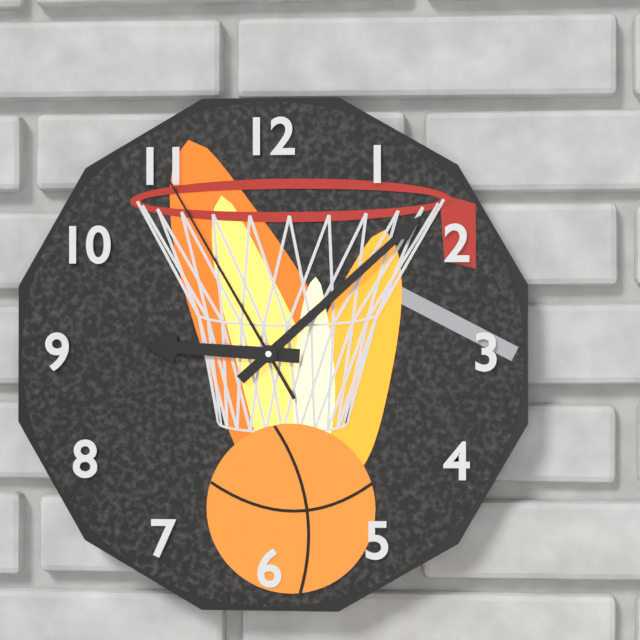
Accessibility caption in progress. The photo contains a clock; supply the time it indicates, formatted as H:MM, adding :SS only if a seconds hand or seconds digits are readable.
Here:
9:08:55
